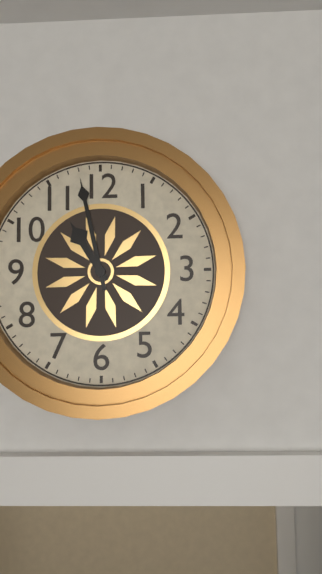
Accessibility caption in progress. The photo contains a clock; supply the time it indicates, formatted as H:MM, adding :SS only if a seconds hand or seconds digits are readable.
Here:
10:58
